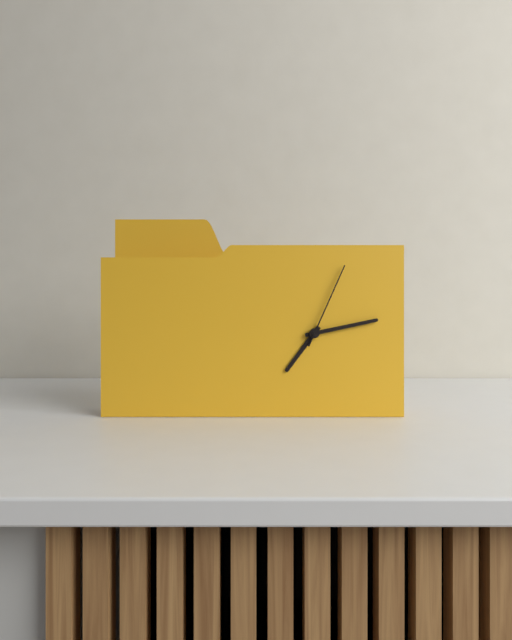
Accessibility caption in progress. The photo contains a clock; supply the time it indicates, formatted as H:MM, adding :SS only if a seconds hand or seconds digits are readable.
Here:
7:13:04
